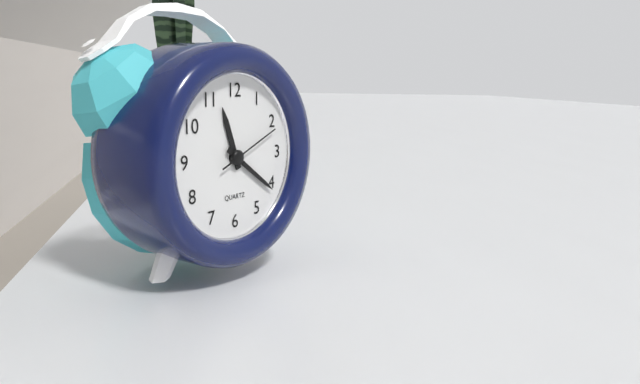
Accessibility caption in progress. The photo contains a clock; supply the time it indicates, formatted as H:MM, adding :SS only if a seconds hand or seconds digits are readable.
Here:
11:21:11
